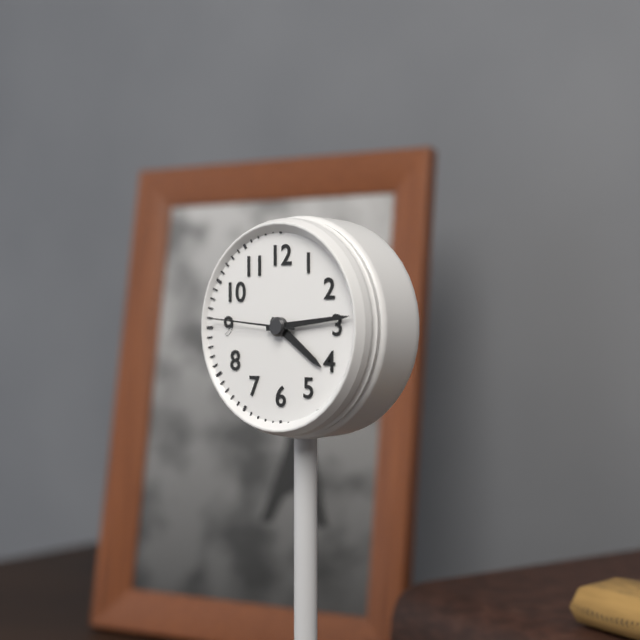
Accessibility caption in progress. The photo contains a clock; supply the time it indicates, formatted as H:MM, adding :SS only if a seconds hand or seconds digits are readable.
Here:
4:14:46
